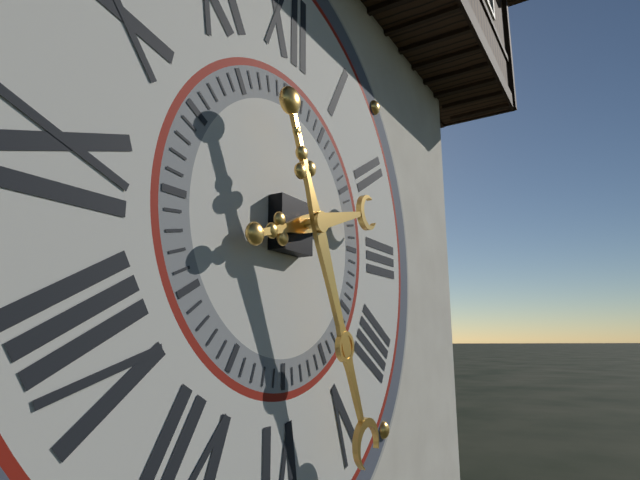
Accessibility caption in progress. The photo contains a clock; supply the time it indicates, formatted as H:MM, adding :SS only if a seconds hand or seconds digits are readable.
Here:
2:26
